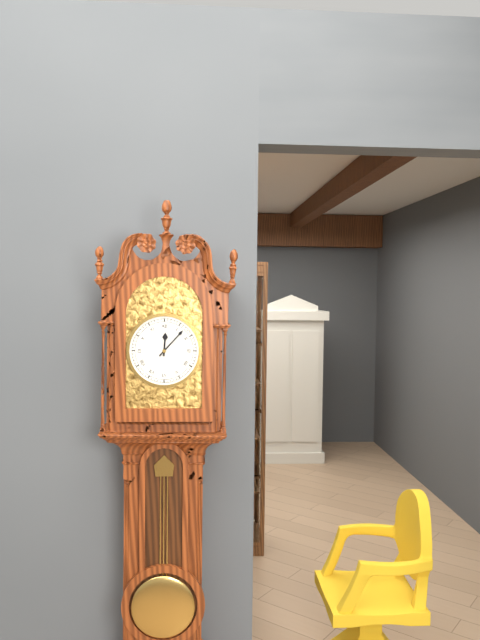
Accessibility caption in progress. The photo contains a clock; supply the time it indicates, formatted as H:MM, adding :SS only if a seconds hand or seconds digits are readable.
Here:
12:07
